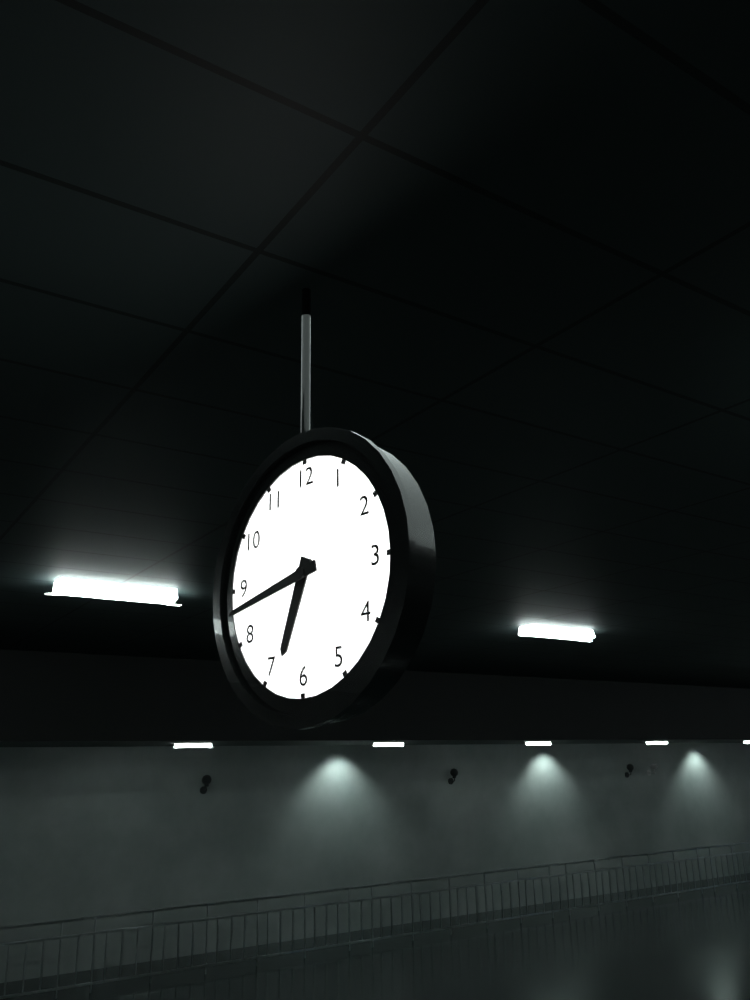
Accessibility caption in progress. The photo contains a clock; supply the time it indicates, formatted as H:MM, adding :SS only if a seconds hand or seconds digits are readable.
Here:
6:43
